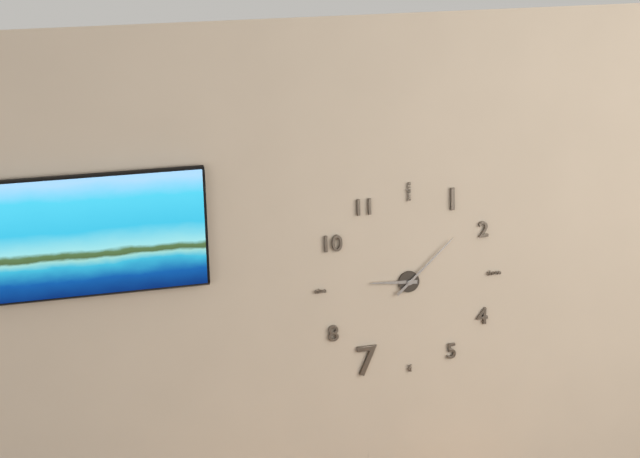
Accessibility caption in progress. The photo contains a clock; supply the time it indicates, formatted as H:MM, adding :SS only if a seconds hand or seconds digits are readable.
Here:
9:08
